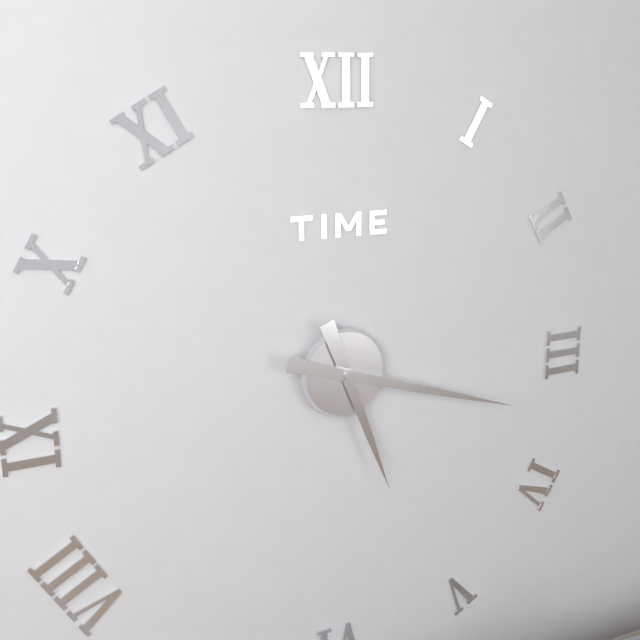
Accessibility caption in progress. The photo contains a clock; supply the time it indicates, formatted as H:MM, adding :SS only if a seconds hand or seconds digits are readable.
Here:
5:18
